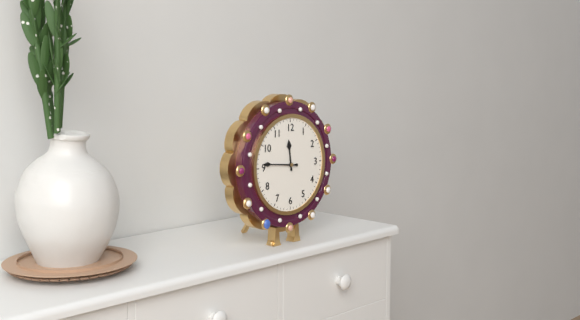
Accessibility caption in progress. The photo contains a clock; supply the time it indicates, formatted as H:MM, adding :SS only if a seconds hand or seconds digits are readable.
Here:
11:46
